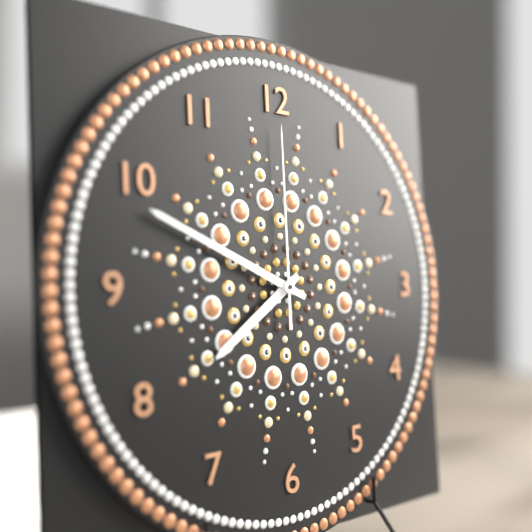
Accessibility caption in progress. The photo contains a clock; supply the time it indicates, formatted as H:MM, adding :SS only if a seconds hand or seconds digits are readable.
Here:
7:49:00
